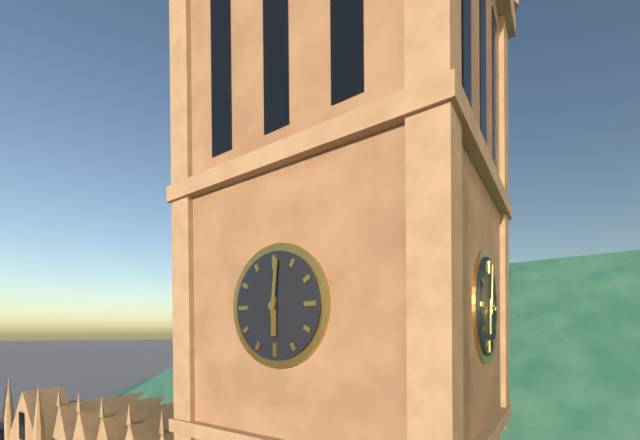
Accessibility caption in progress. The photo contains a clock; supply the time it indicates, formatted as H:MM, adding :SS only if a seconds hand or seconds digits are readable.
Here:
6:01
